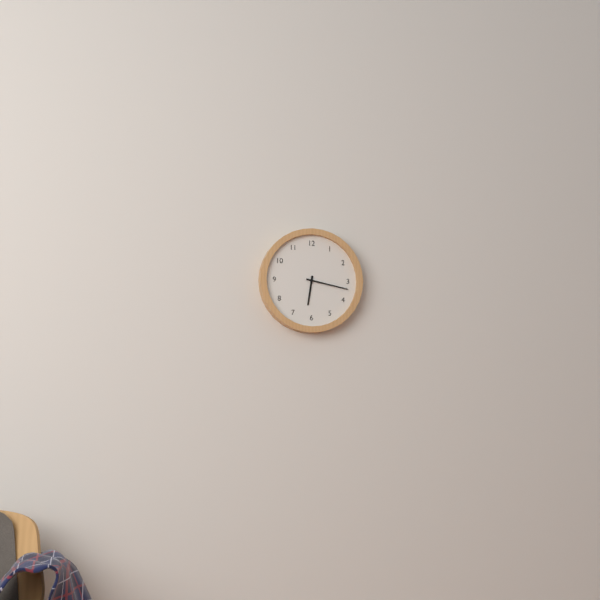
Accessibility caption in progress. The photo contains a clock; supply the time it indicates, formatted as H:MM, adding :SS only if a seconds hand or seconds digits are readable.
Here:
6:17
